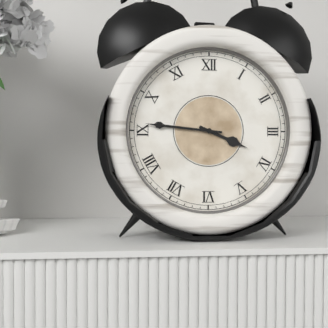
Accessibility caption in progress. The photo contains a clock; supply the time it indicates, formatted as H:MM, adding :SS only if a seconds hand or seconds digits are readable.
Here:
3:46
